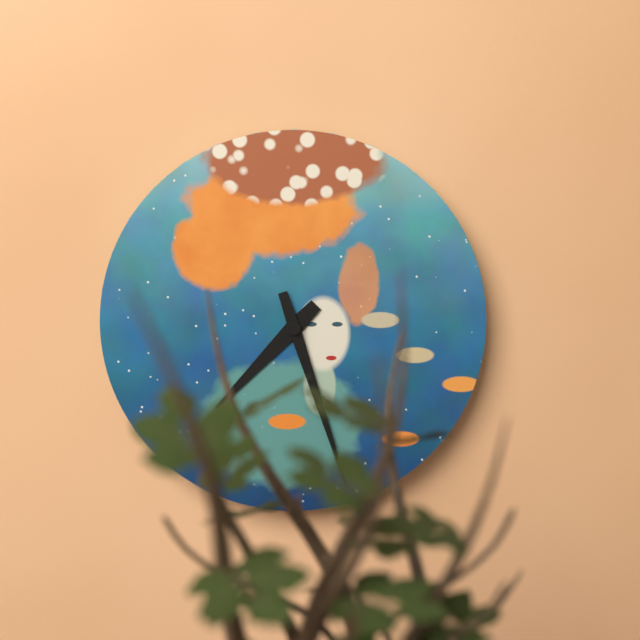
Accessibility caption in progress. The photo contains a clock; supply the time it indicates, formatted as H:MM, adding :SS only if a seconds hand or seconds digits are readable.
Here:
7:27
